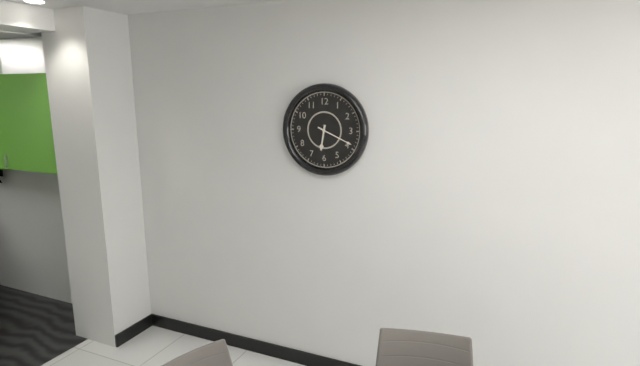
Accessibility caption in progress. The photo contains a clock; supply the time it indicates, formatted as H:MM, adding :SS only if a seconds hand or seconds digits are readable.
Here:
6:19
